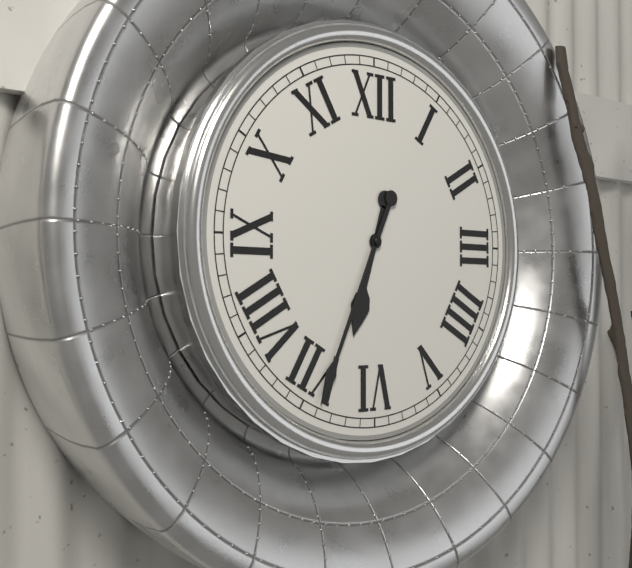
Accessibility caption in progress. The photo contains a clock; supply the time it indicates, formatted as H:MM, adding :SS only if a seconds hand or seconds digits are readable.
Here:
6:34
